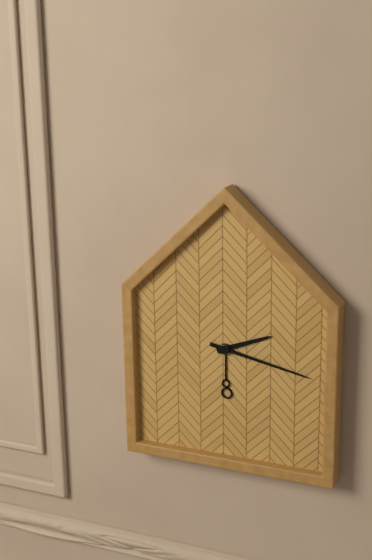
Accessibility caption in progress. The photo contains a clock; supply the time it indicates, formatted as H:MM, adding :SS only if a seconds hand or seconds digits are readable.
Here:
2:17
